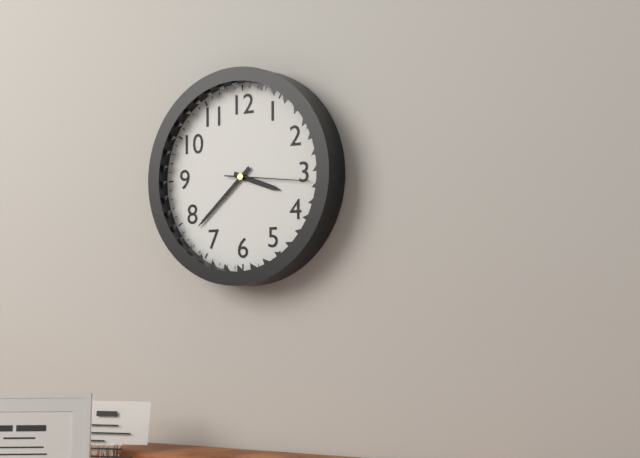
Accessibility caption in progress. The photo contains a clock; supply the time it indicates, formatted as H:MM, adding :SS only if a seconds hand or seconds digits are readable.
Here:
3:38:16
